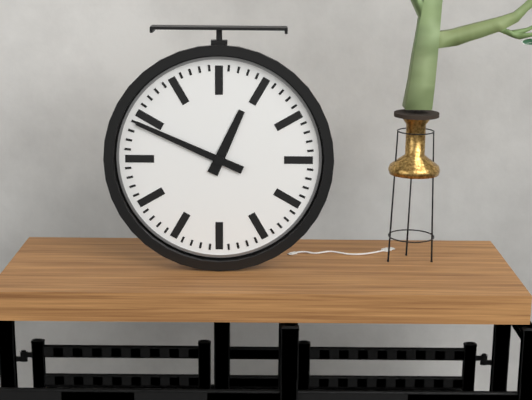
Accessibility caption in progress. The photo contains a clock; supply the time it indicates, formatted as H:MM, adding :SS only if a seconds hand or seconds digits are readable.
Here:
12:49
